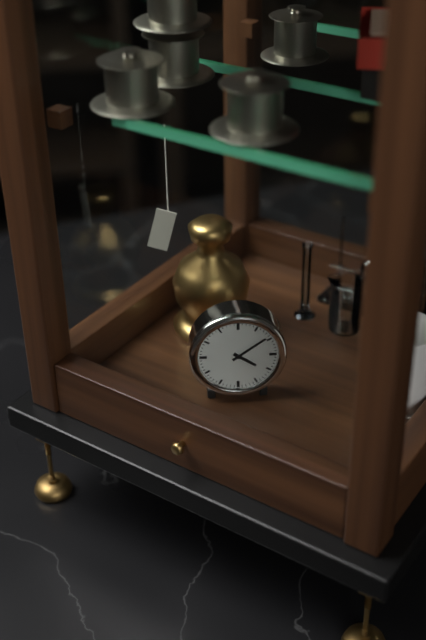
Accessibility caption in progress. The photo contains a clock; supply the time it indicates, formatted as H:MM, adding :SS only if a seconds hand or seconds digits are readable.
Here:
4:09
